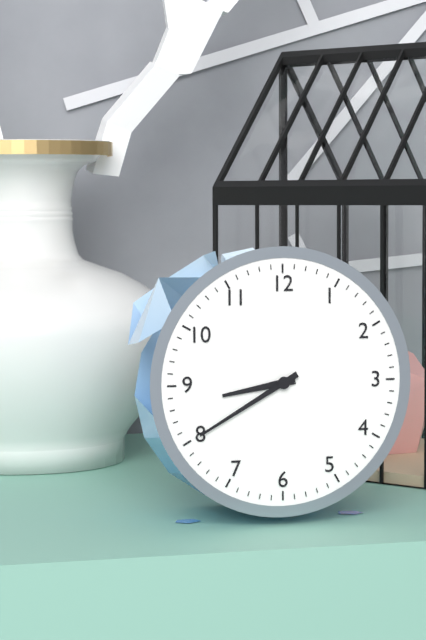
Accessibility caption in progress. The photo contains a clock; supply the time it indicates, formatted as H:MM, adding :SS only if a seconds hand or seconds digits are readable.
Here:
8:40
